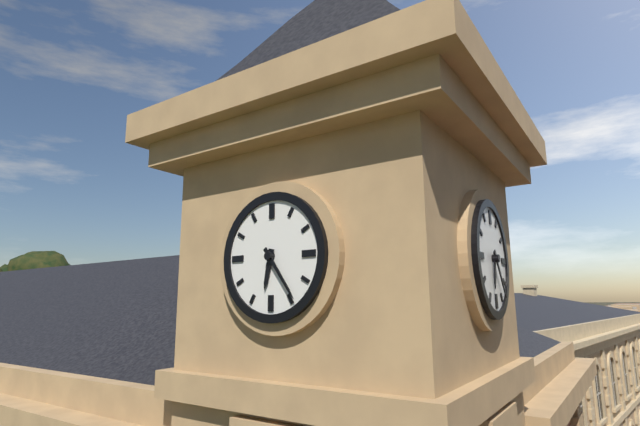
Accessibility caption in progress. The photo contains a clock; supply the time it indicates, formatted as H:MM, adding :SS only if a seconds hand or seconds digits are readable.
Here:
6:24
